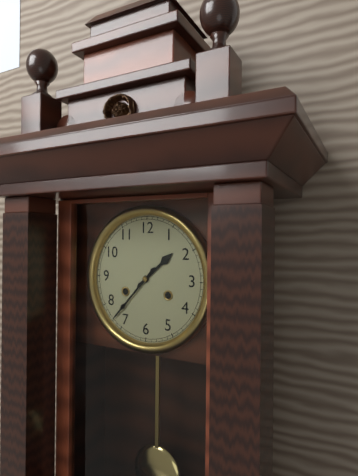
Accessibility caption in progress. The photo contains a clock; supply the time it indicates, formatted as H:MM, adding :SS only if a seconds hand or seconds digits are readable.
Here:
1:37
